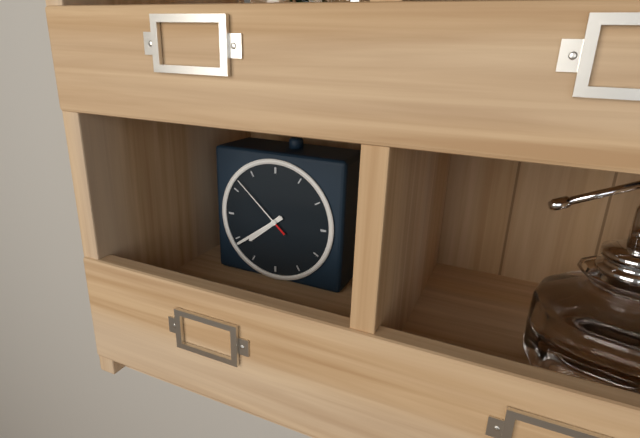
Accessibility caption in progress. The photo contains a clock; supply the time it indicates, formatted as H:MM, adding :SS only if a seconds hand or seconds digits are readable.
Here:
7:39:52
